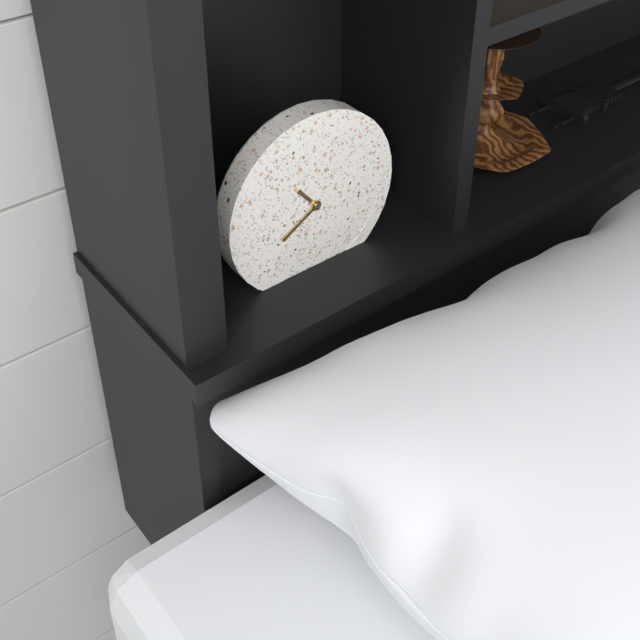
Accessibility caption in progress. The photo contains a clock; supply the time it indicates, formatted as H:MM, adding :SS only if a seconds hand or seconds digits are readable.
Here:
10:40
